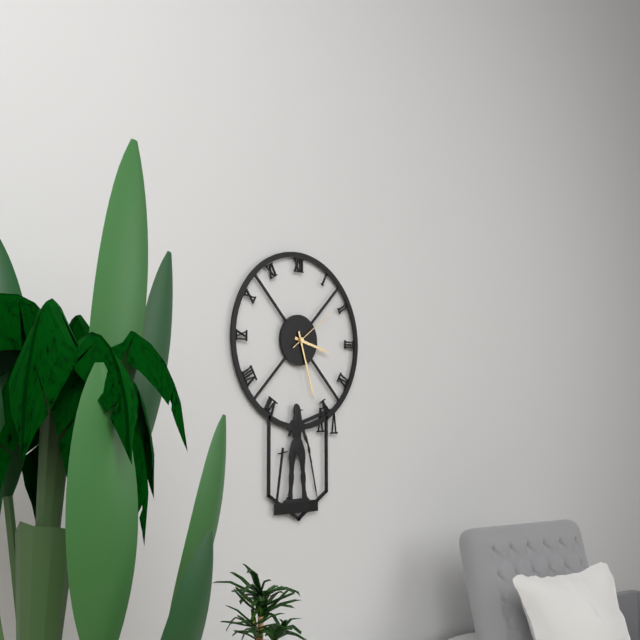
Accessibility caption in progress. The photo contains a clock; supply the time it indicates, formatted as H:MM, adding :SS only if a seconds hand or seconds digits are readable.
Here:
3:27:09
